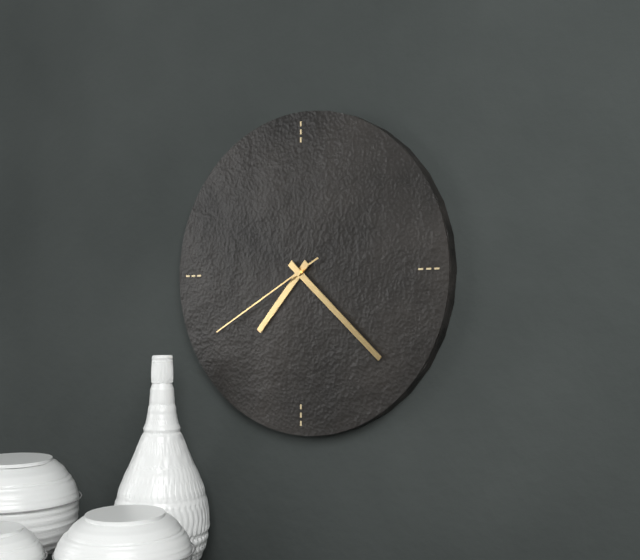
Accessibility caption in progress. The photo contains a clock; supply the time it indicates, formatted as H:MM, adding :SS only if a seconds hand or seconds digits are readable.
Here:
7:22:40
